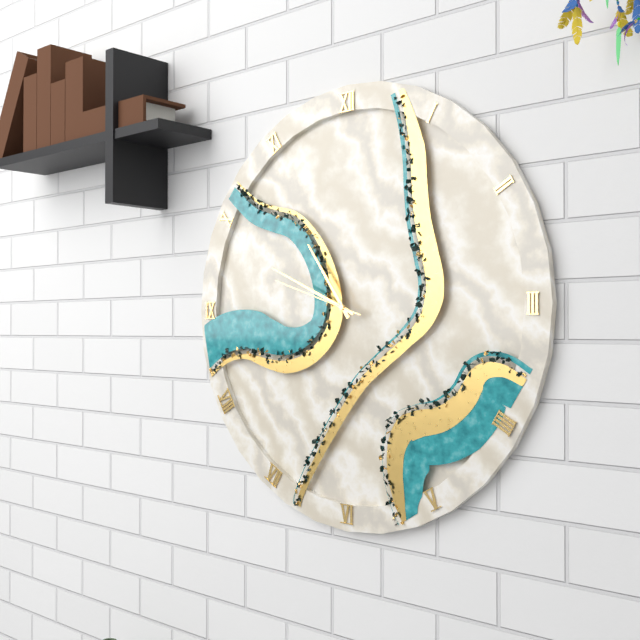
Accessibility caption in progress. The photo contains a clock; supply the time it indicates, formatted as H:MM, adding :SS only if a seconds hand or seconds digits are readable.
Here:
10:49:48
